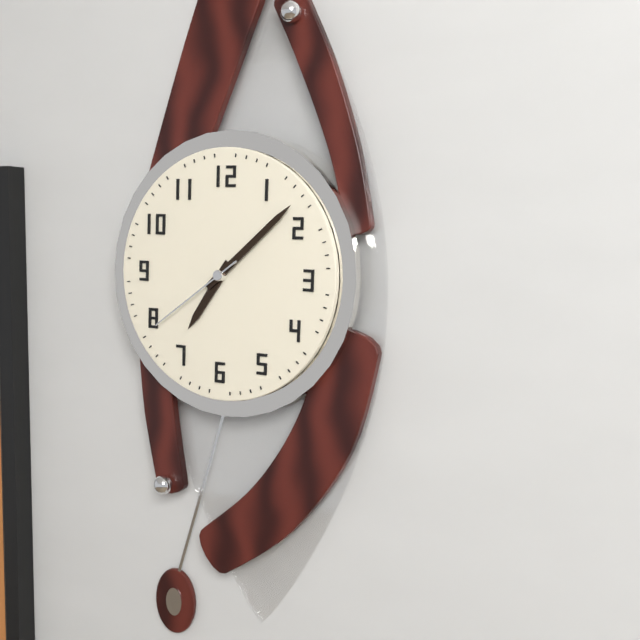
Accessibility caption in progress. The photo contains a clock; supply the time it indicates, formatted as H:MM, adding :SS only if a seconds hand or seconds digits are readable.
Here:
7:08:39
